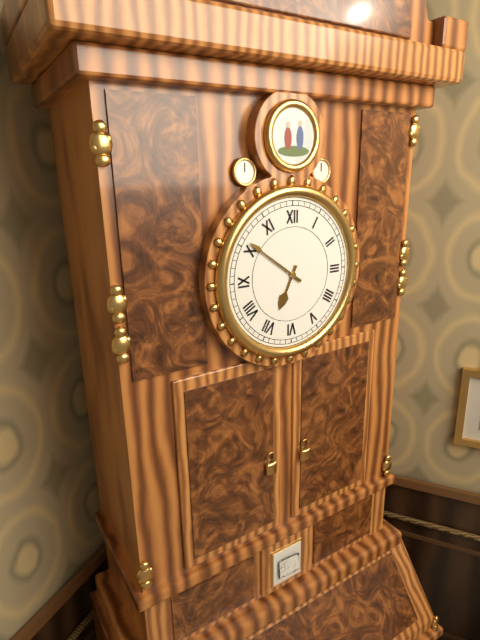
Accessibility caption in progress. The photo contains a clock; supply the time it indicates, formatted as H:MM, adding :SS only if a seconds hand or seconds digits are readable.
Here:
6:51
